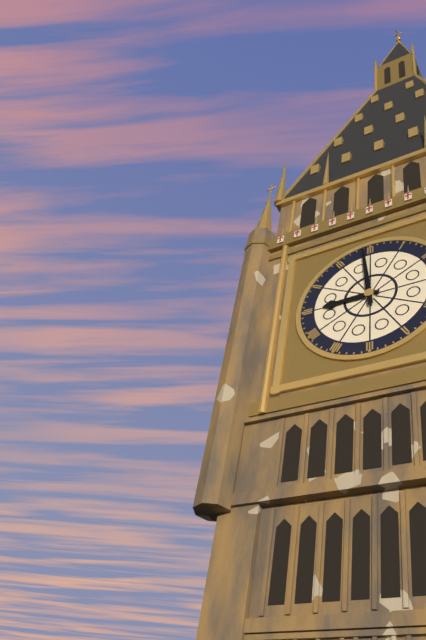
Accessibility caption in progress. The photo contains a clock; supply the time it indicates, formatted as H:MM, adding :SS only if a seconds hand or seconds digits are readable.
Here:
8:59
